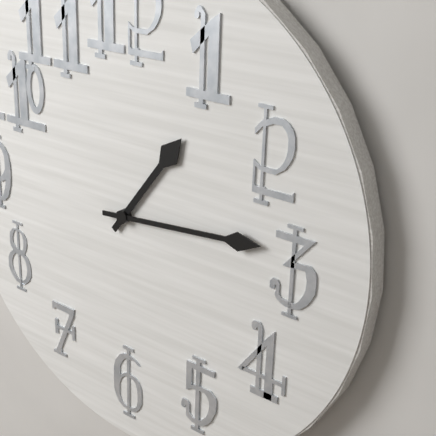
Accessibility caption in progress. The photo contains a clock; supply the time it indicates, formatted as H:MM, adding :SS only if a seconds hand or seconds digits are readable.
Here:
1:14
